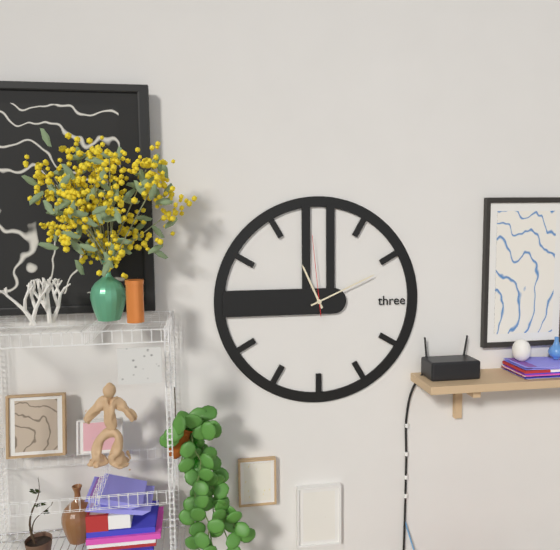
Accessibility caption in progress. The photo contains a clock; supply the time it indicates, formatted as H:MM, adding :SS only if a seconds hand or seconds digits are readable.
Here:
11:11:59
